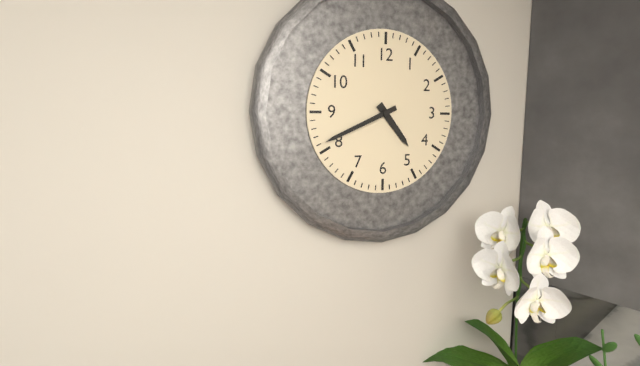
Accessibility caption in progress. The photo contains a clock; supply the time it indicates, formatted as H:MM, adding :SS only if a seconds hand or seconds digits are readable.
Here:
4:41
